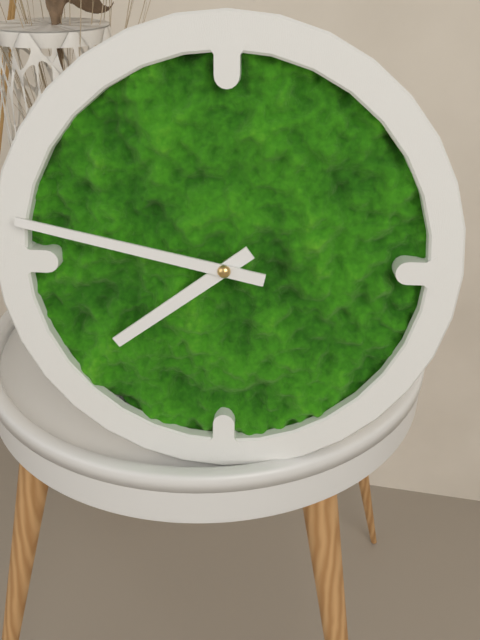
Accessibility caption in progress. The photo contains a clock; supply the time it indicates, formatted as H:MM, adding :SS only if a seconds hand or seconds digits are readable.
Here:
7:47
